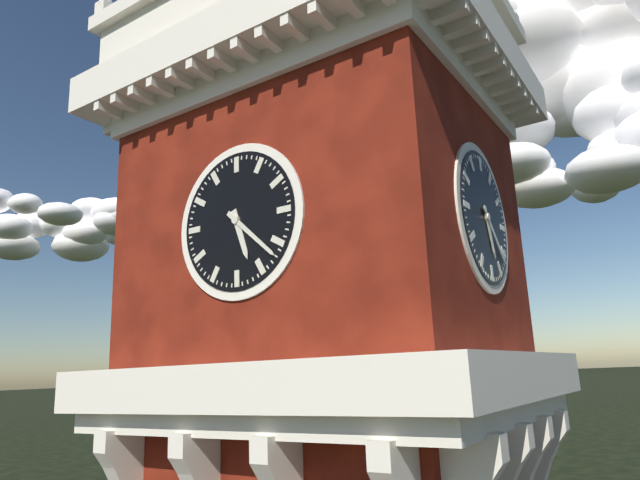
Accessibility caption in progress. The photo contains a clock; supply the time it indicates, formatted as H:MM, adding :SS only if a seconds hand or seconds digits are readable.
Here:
5:22
